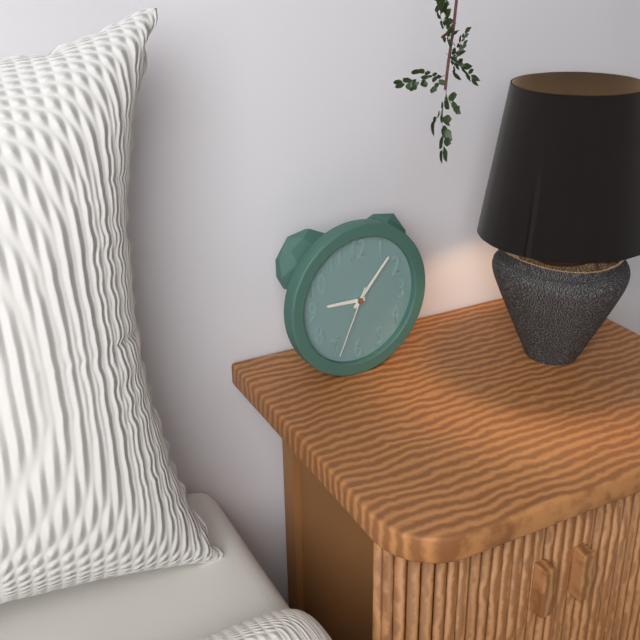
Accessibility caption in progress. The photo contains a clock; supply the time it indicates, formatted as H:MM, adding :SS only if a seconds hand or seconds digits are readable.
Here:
9:07:34
